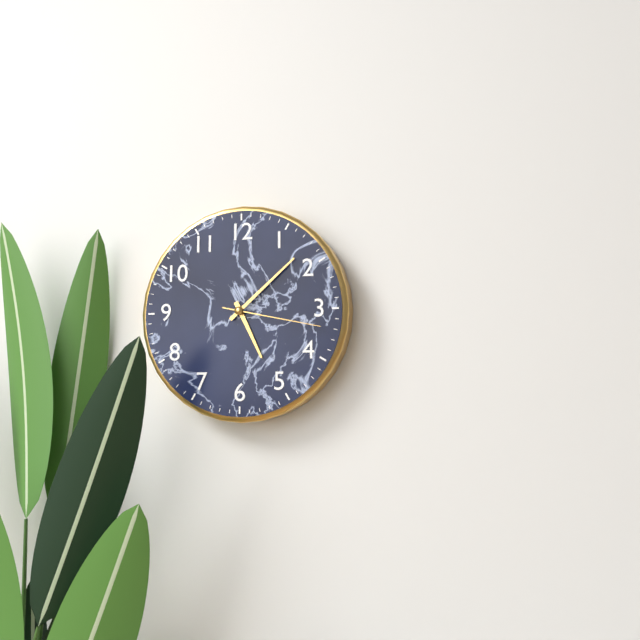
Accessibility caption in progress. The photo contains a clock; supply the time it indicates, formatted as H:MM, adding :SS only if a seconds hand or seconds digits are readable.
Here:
5:08:17
